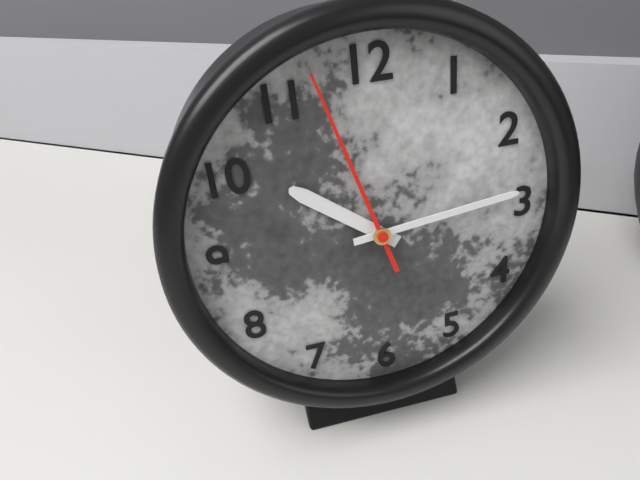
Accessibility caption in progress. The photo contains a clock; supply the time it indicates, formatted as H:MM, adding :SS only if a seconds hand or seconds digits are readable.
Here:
10:14:57
